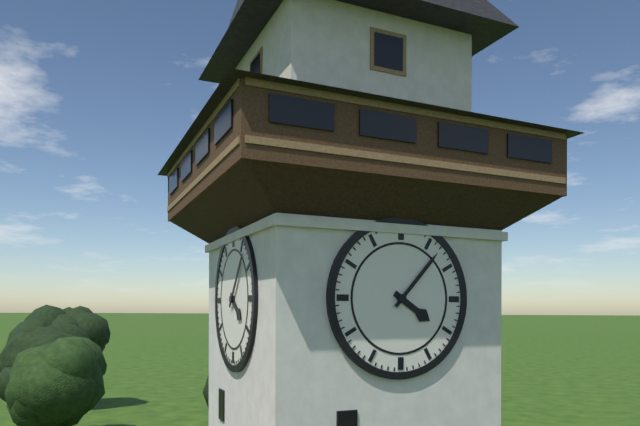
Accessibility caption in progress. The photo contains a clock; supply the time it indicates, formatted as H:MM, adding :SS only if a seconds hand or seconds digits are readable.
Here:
4:07
